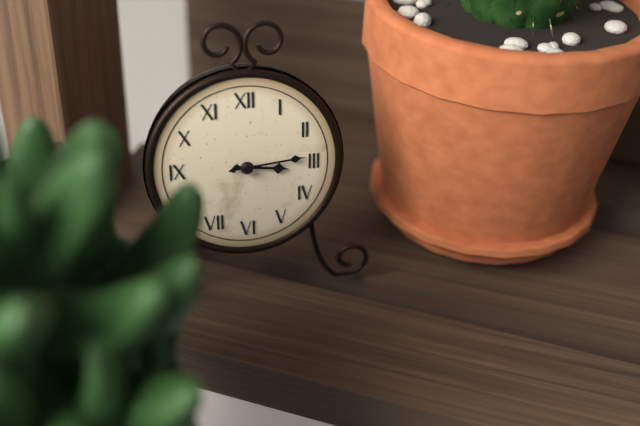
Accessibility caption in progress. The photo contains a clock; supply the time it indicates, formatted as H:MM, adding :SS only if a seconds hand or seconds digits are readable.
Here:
3:14
